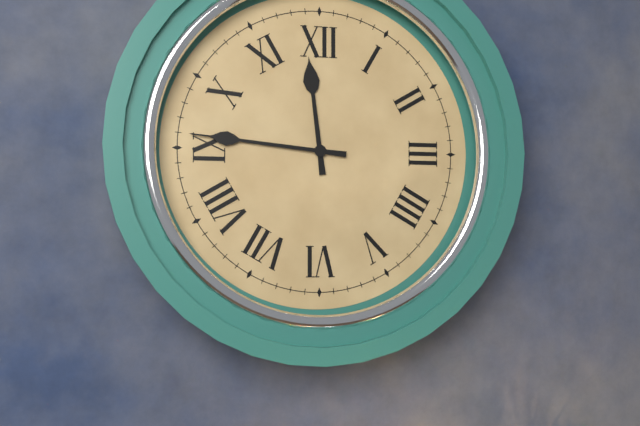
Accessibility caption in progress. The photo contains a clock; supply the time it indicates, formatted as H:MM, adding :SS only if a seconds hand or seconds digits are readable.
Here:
11:46
